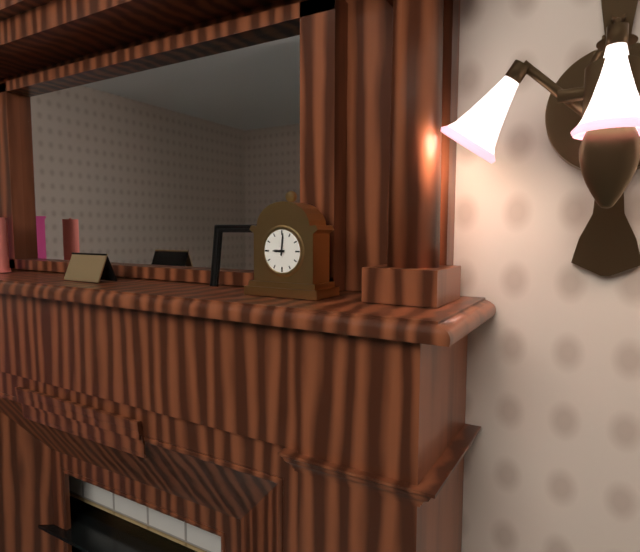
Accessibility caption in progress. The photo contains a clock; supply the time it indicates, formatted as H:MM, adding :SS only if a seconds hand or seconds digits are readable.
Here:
9:01
